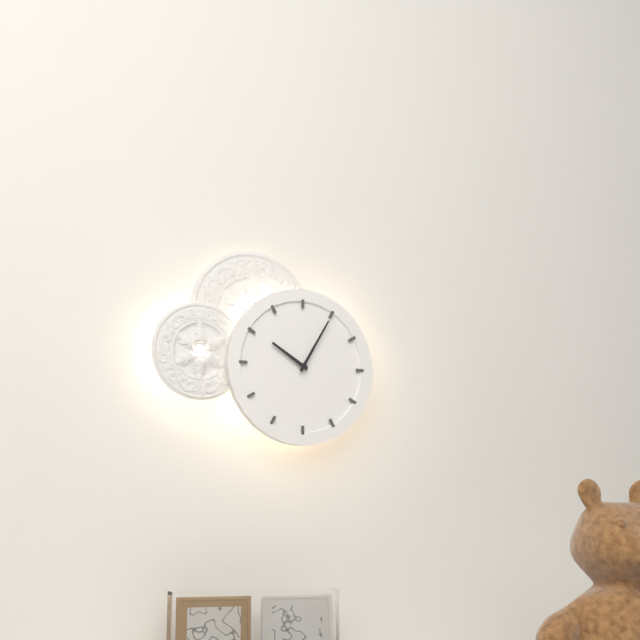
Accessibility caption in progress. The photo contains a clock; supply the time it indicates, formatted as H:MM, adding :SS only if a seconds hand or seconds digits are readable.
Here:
10:05
